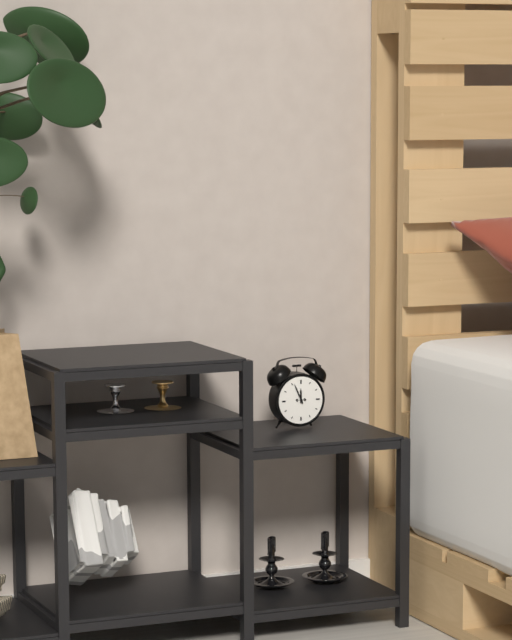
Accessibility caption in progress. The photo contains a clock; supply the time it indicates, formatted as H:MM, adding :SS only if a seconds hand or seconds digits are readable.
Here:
11:56
